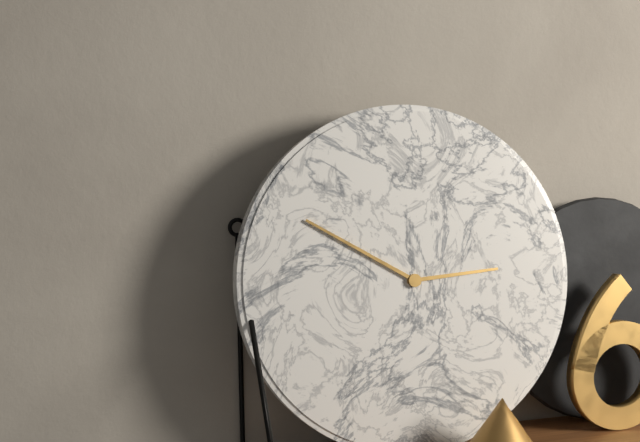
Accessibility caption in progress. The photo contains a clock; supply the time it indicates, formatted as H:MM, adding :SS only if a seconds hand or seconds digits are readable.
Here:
2:50
